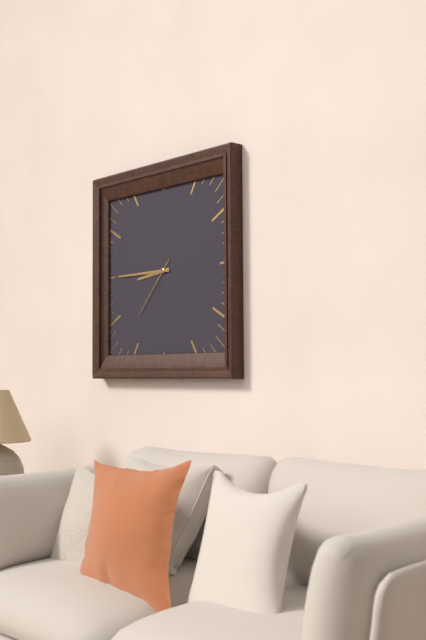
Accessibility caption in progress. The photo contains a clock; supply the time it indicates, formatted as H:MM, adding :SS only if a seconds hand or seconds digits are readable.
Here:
8:45:37
